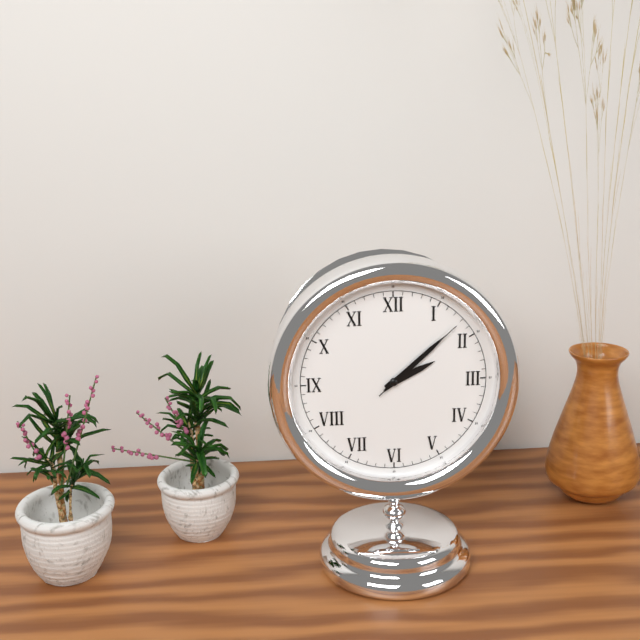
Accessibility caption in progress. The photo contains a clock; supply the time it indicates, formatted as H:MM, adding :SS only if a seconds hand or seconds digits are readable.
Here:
2:08:08
